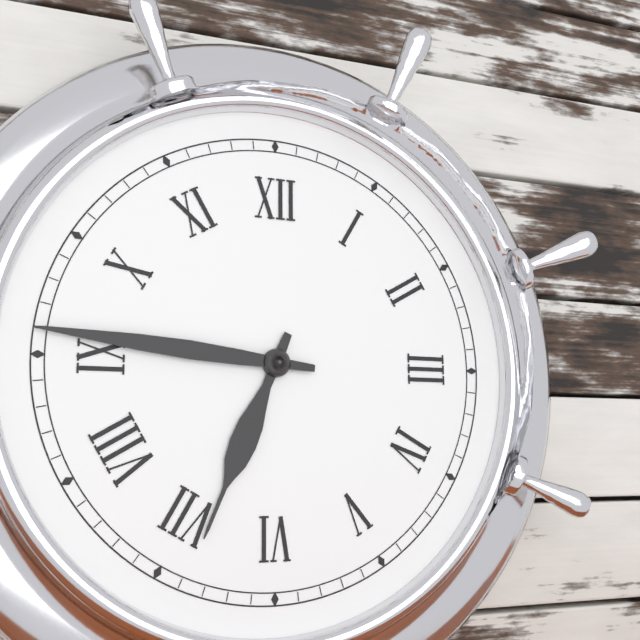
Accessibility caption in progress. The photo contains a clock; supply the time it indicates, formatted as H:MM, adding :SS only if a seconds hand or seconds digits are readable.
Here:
6:46
